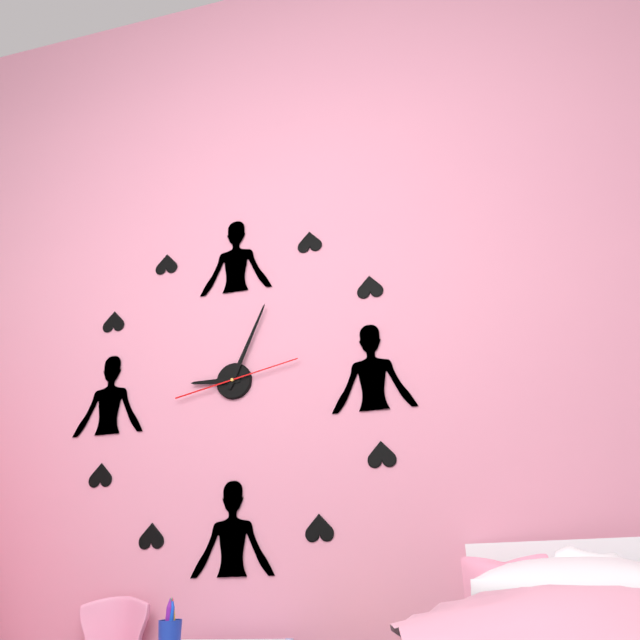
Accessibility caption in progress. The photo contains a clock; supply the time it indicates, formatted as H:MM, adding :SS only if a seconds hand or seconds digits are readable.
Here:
9:04:13
